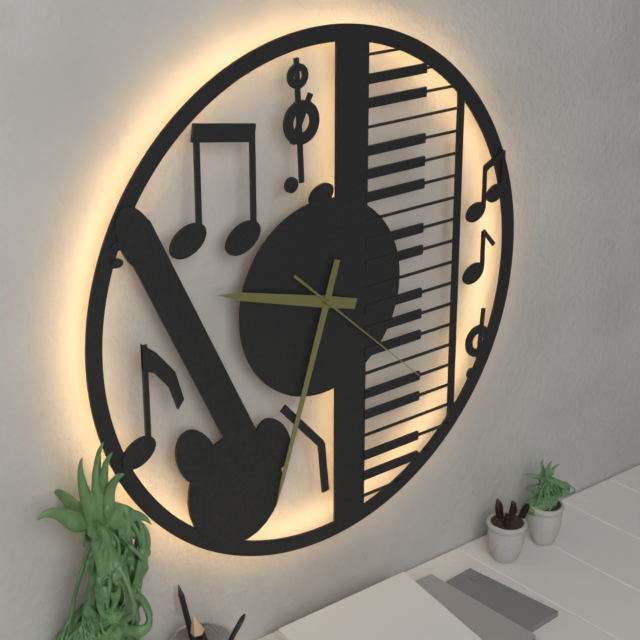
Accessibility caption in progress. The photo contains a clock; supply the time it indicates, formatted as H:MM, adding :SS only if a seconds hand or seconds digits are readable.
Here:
9:33:22
